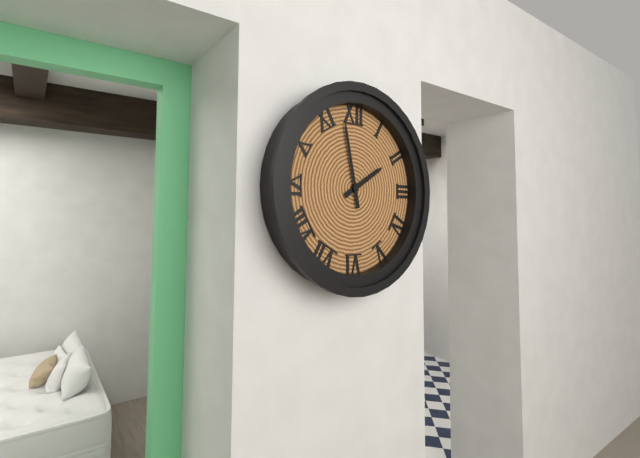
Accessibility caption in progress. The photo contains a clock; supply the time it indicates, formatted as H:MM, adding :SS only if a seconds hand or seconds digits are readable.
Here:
1:58
